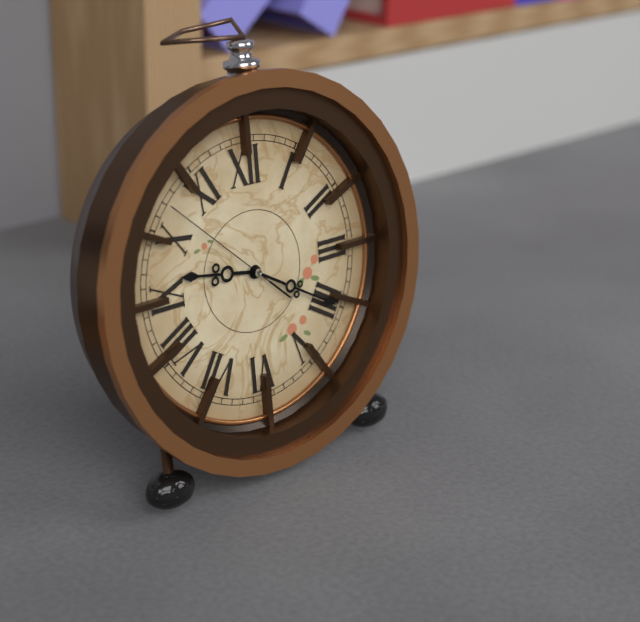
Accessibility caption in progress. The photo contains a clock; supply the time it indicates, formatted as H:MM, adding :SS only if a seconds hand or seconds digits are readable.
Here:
9:20:52
